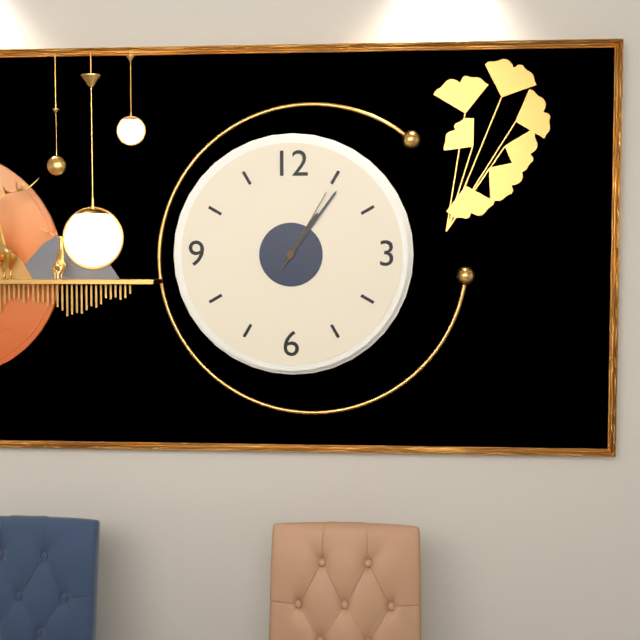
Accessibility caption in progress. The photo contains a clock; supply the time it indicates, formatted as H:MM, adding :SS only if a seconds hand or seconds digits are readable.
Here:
1:06:05
